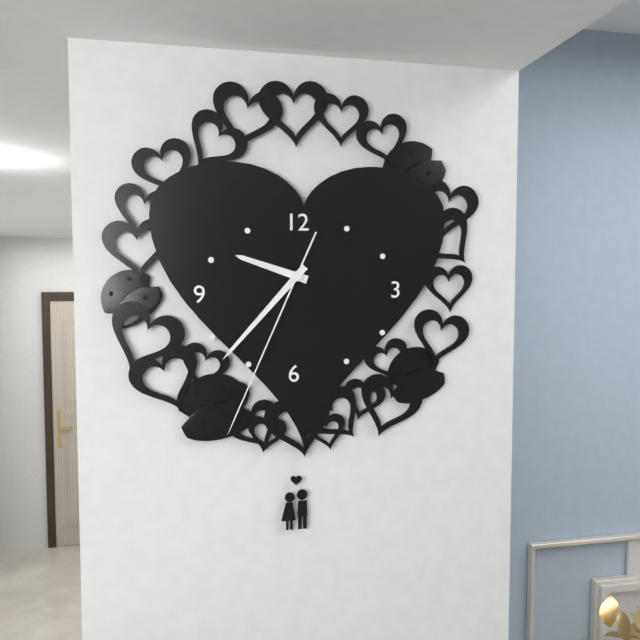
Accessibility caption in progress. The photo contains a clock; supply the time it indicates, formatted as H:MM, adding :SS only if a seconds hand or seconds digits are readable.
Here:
9:37:34
